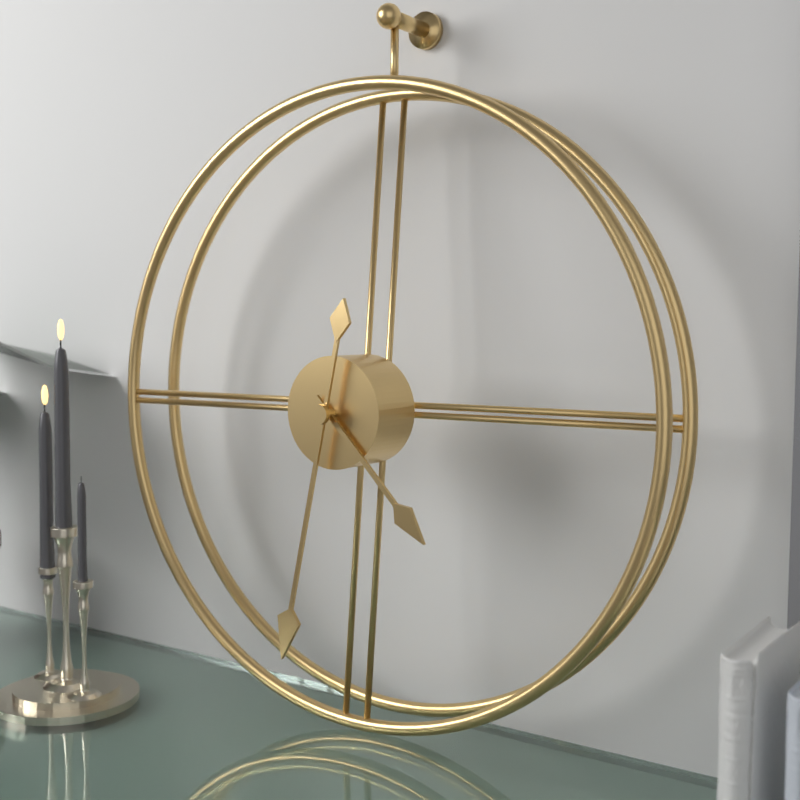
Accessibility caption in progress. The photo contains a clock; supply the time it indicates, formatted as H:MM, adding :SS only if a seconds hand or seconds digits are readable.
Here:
4:32
